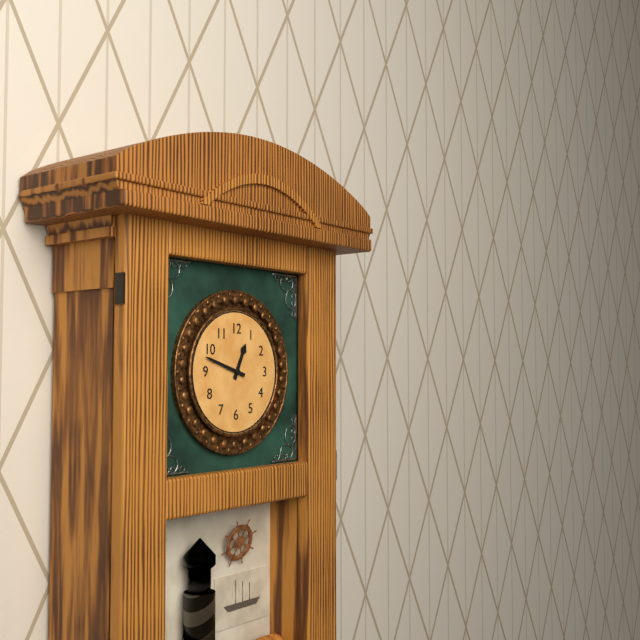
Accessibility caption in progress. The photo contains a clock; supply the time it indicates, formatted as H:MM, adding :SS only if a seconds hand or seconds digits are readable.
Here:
12:48
